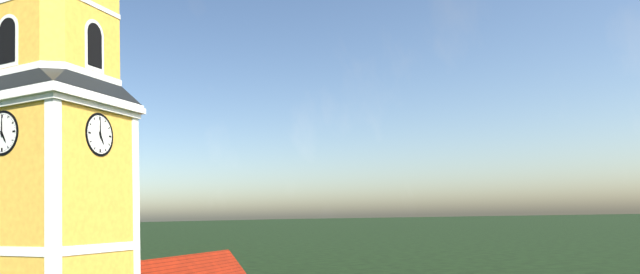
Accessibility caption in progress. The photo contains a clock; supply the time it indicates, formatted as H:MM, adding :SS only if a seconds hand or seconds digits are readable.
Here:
5:00
